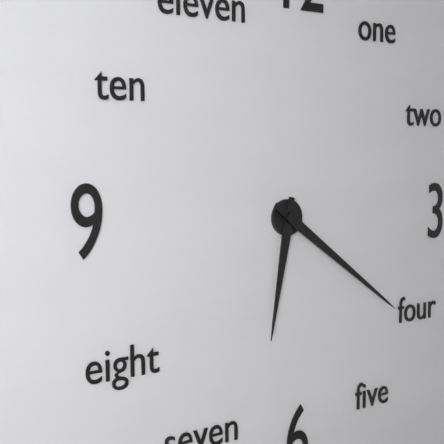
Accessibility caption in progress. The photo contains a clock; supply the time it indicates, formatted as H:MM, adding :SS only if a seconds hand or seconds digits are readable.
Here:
6:21
